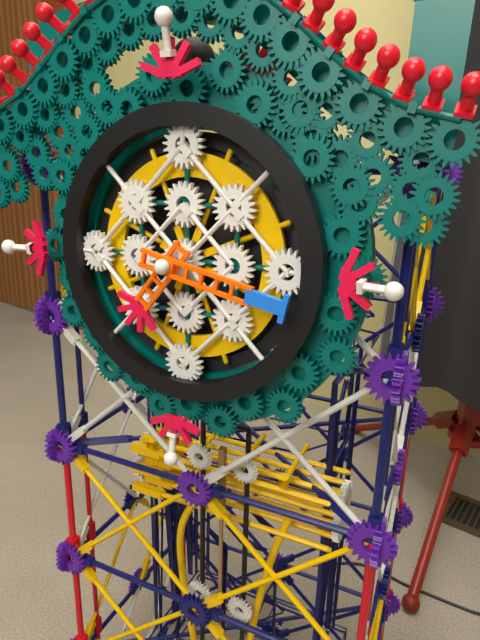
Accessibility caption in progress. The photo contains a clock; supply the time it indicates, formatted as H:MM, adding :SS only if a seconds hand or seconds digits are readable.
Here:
7:17
